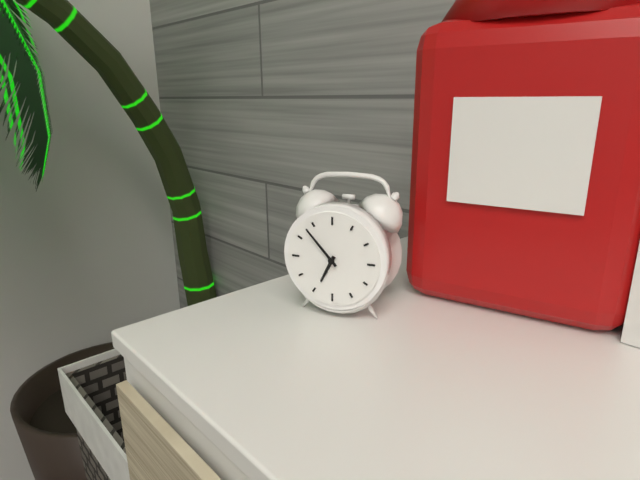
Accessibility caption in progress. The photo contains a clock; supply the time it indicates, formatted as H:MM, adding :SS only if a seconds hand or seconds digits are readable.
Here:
6:53
